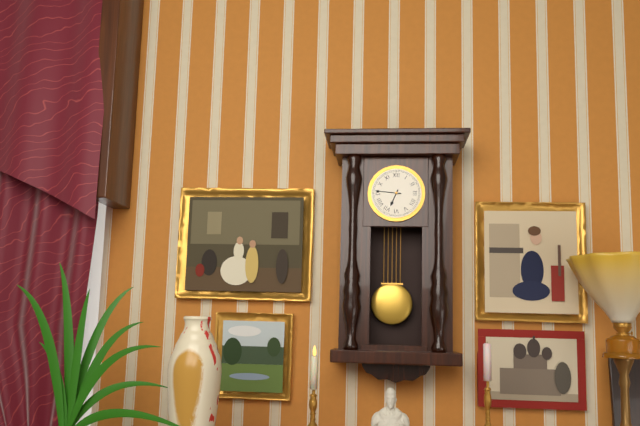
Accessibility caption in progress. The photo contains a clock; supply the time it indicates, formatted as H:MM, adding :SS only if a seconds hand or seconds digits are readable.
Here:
6:46
